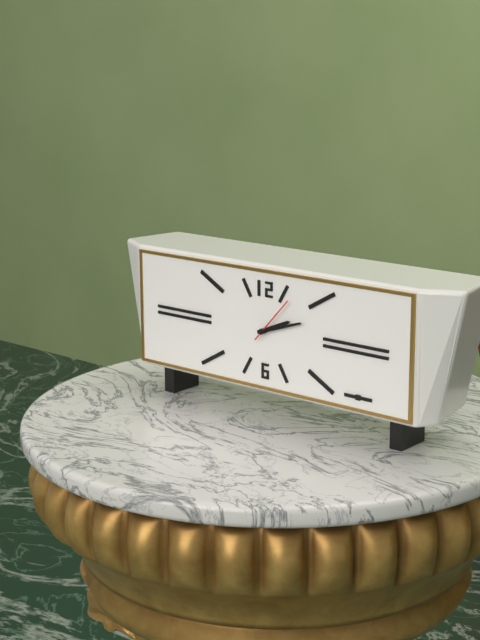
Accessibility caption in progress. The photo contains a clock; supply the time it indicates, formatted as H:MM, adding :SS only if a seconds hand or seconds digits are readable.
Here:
2:12
